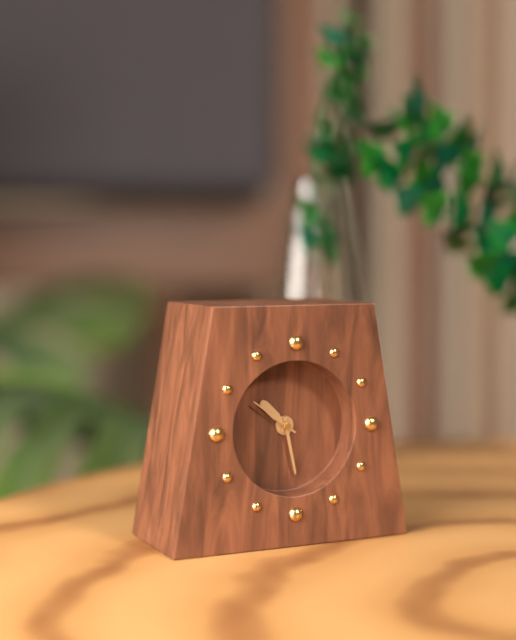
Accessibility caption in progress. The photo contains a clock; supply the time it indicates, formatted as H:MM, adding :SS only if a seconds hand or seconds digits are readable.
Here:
10:28:51
